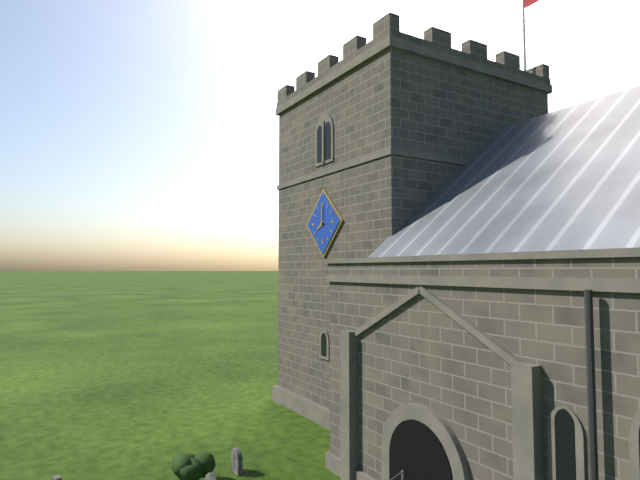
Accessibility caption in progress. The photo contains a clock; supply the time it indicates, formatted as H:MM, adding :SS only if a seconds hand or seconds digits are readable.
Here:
8:00
